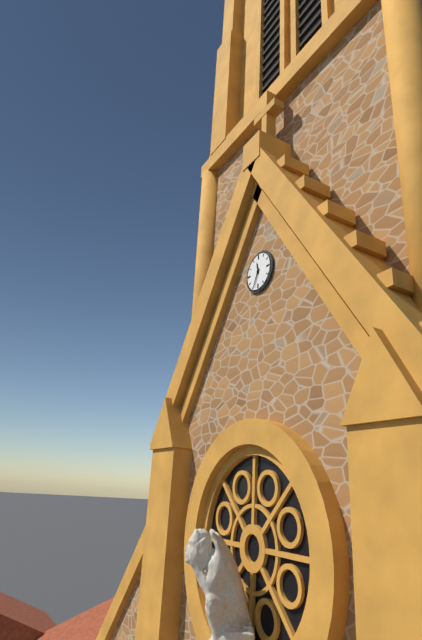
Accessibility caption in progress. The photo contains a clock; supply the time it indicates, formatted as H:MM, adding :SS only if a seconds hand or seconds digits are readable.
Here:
11:34
